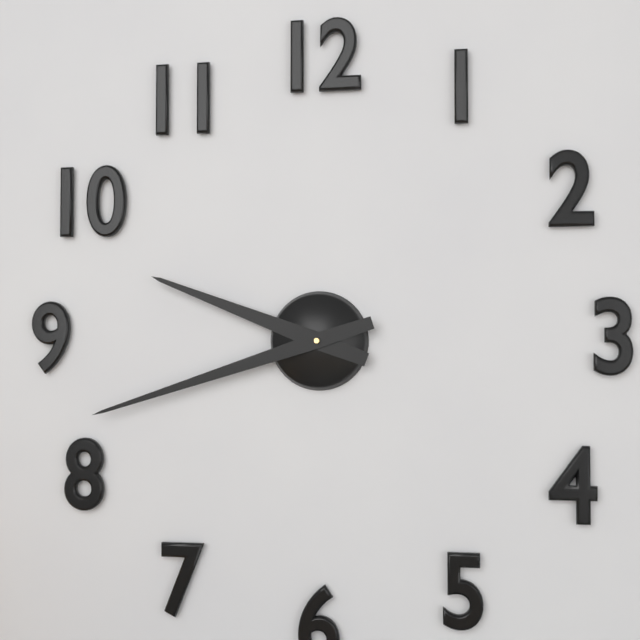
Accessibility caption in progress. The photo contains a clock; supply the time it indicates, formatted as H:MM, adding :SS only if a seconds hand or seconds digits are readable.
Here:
9:42
